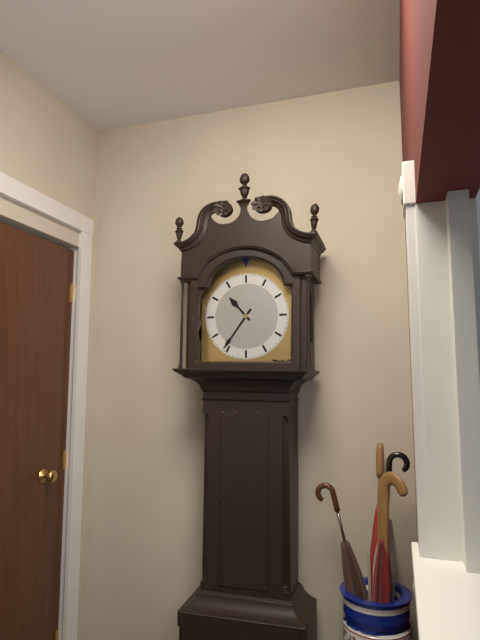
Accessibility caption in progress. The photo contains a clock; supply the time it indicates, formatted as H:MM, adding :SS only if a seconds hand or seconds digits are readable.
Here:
10:36
